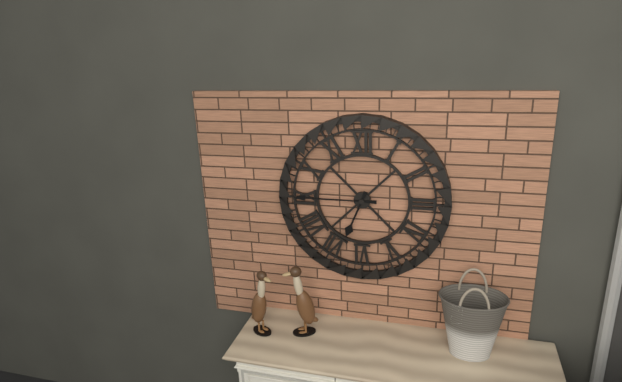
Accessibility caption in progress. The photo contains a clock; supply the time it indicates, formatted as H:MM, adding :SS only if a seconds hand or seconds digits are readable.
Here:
6:45
